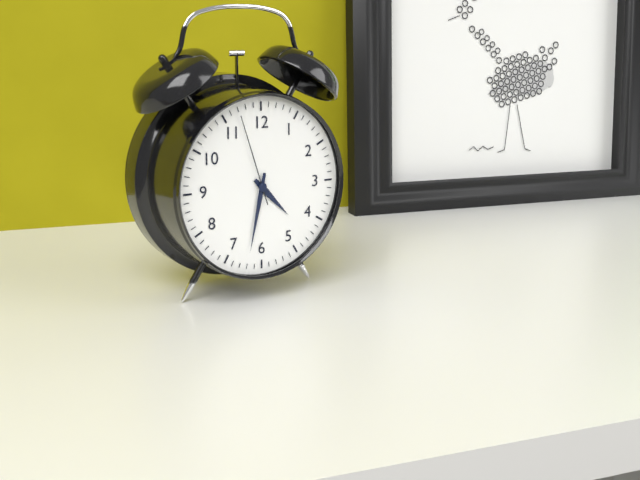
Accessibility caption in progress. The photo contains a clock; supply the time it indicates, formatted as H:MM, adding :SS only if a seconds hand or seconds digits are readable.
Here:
4:32:57
